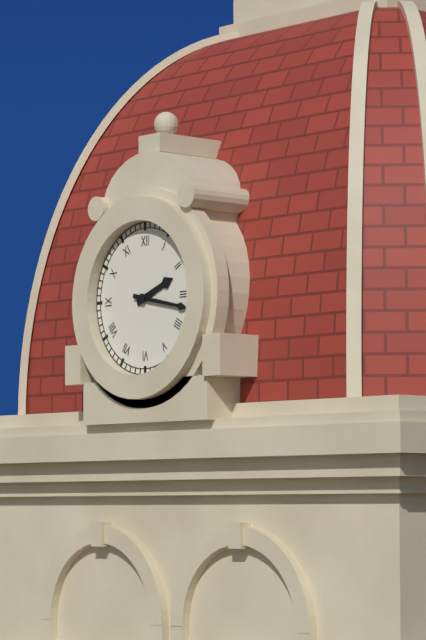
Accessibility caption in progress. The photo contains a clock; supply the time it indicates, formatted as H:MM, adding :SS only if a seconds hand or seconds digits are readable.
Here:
2:17
